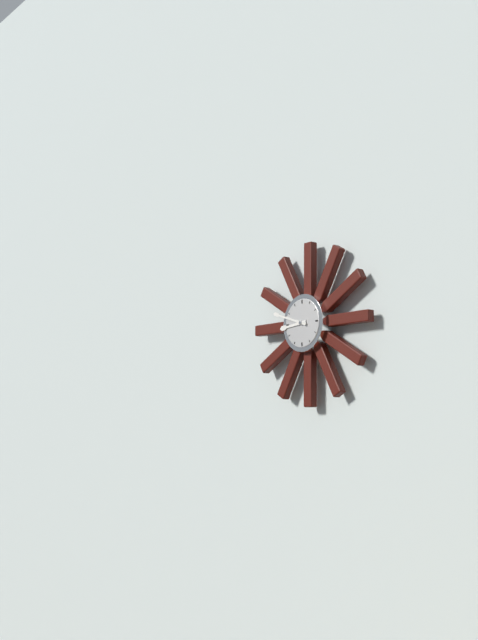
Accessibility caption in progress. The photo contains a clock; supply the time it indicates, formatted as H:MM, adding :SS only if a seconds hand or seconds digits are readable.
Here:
8:48
